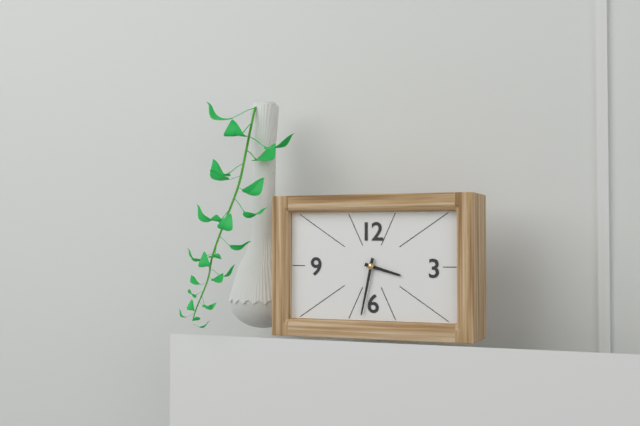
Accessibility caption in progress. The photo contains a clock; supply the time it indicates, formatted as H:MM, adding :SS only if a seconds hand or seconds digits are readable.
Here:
3:32
